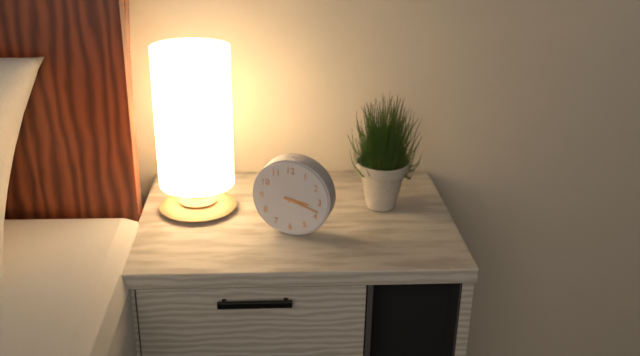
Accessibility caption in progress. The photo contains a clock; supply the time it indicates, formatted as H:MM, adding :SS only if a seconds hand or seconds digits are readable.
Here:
3:18
